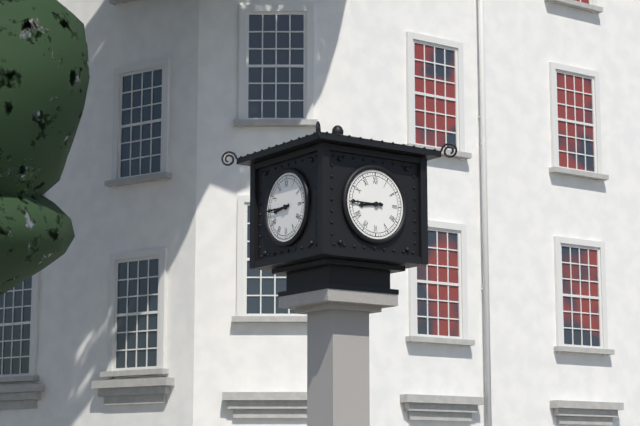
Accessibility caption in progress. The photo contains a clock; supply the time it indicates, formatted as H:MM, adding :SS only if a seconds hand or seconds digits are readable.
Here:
8:45
